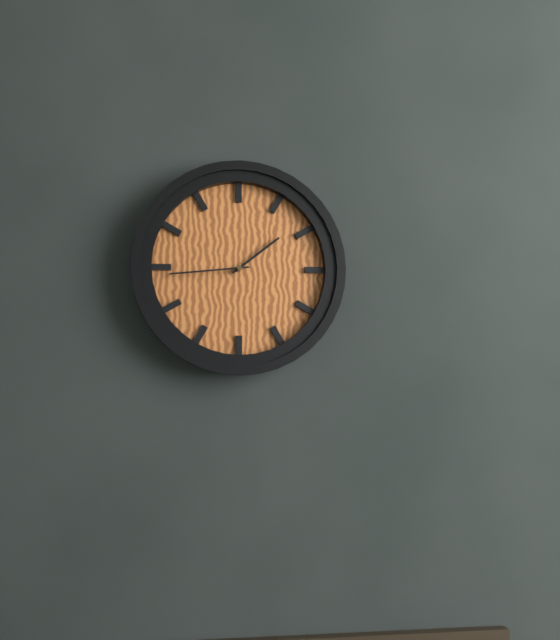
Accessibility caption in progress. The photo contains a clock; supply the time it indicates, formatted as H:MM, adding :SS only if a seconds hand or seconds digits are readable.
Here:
1:44
